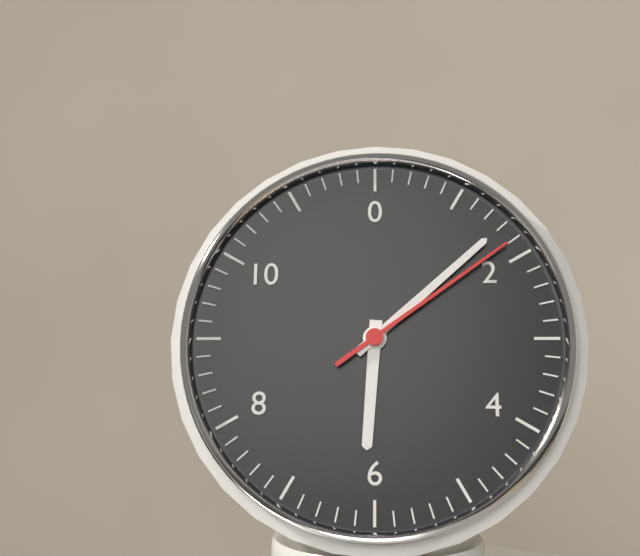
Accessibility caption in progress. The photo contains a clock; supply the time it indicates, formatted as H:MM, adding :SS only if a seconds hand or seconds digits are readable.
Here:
6:08:09
